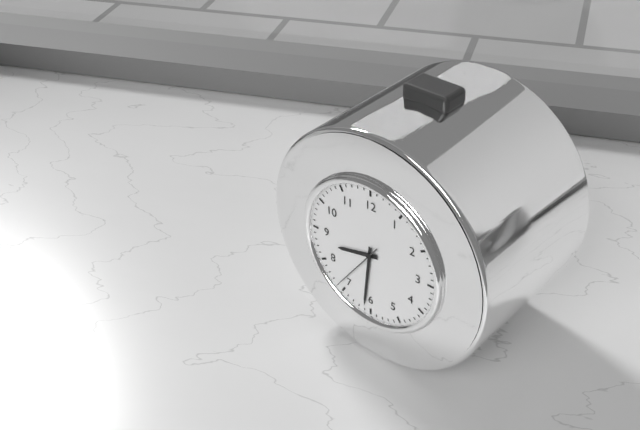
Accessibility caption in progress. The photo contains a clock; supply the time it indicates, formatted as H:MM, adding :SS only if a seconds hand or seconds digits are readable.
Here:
8:31:36
